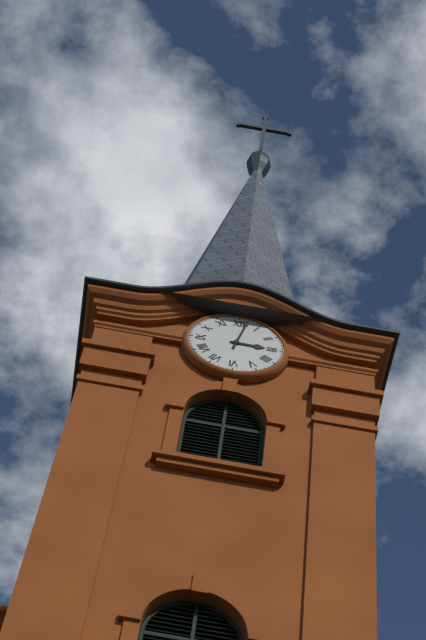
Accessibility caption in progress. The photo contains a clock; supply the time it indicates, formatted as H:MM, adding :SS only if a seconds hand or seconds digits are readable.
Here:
3:02
